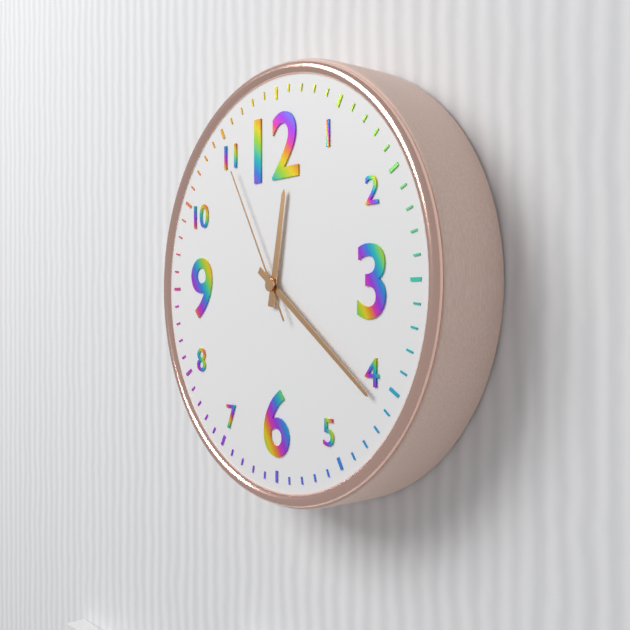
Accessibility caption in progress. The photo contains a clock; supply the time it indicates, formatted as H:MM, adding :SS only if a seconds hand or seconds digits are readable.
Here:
12:21:55
